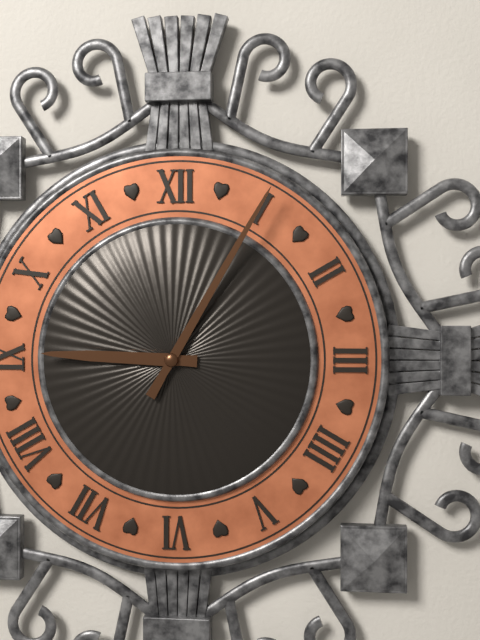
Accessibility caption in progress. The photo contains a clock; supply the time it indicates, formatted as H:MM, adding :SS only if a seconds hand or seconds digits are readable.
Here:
9:05
